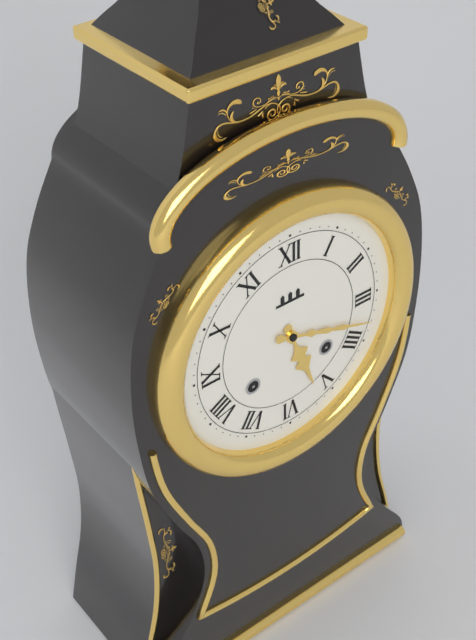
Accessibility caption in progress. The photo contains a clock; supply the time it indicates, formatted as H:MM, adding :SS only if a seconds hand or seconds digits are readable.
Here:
5:18
